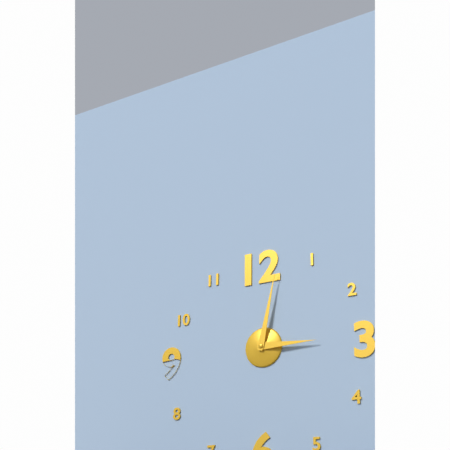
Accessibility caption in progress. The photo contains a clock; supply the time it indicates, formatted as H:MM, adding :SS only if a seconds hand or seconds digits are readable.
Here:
3:02
